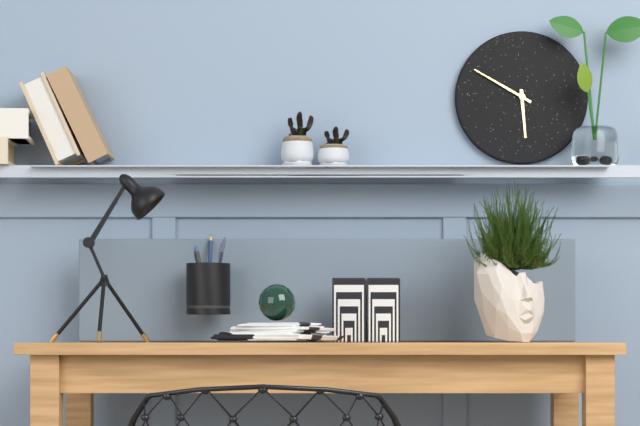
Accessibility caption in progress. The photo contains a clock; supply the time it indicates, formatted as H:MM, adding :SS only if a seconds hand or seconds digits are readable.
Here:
5:50
